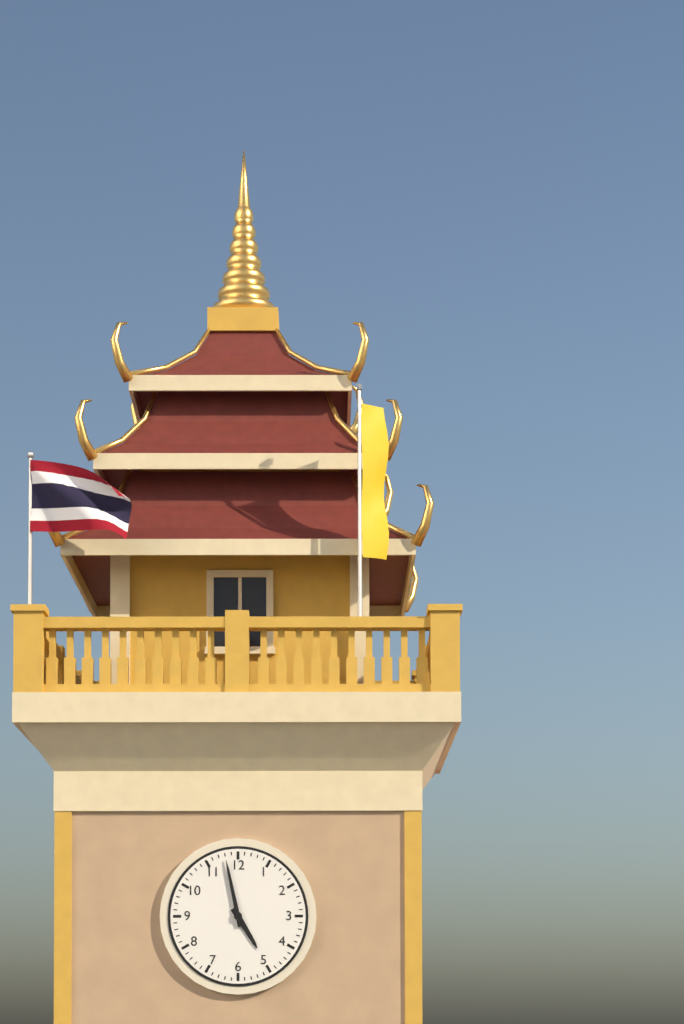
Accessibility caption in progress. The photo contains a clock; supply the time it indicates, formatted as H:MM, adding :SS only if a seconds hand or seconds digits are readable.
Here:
4:58
